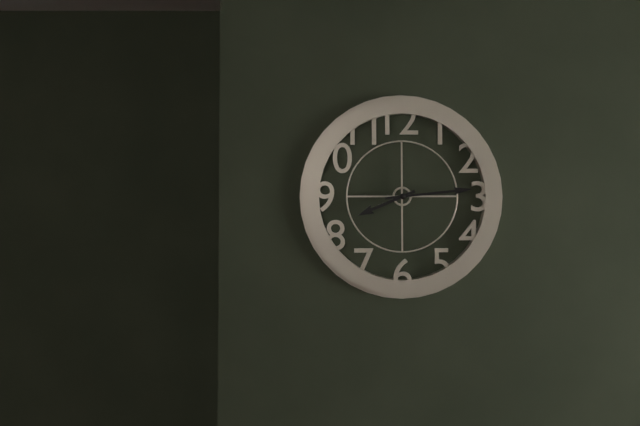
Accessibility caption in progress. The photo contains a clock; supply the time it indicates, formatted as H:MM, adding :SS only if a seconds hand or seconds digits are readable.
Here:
8:14
